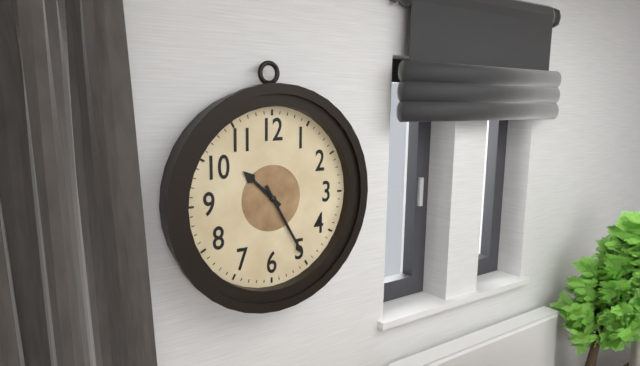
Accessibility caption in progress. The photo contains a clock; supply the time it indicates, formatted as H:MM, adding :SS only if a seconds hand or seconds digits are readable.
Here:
10:25
